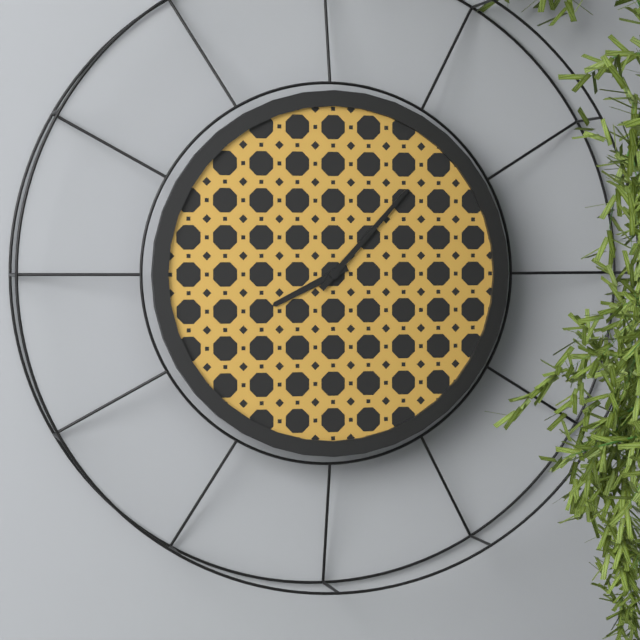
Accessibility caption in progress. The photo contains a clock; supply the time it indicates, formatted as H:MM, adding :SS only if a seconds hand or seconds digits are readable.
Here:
8:07
